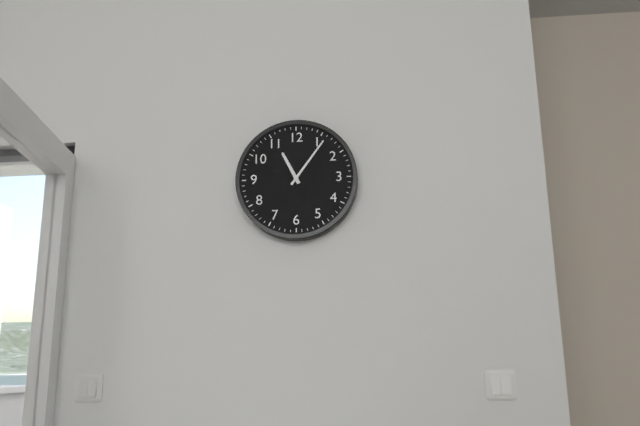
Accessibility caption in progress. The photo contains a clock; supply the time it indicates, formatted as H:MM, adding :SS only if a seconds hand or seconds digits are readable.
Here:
11:06
